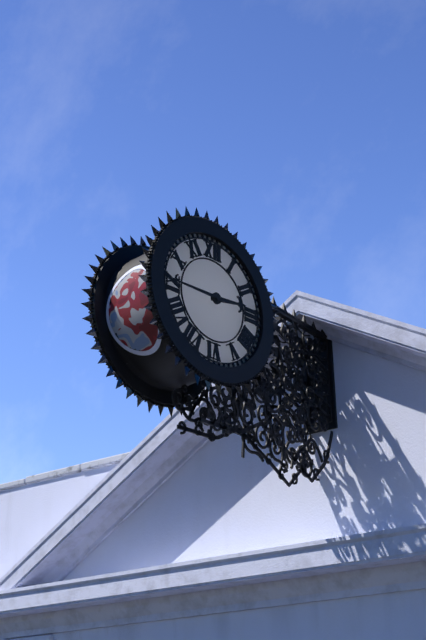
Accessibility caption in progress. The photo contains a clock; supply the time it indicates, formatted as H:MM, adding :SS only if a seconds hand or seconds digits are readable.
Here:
2:45
